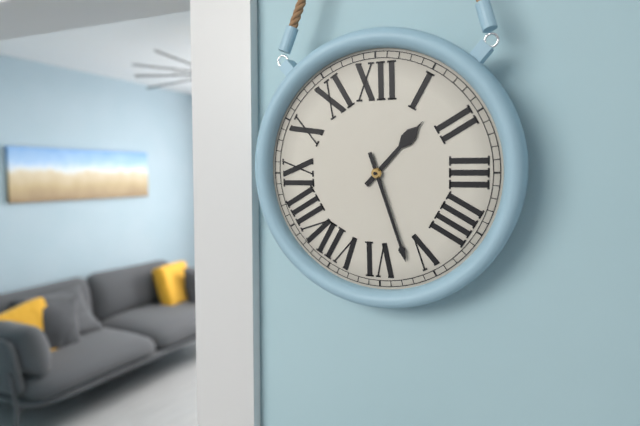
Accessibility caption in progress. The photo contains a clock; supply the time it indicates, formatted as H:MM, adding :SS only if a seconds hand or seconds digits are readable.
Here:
1:27
